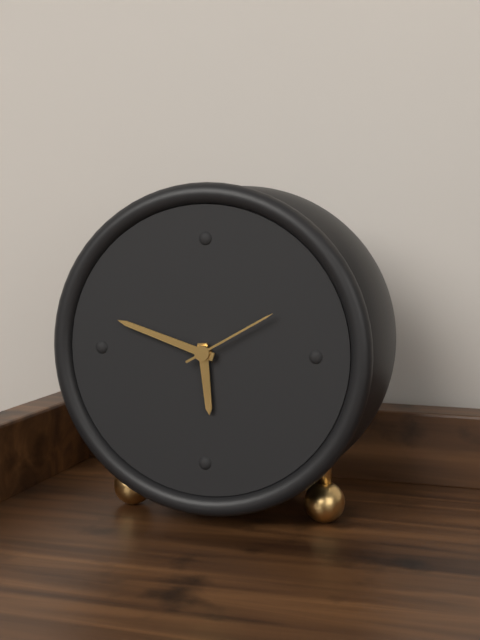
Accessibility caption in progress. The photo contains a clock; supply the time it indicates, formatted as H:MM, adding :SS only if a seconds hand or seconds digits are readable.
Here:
5:48:10
